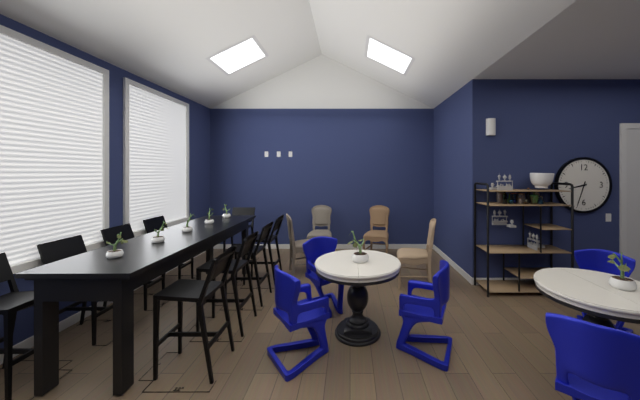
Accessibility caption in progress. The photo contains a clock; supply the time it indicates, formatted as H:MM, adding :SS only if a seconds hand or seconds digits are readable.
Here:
8:33
